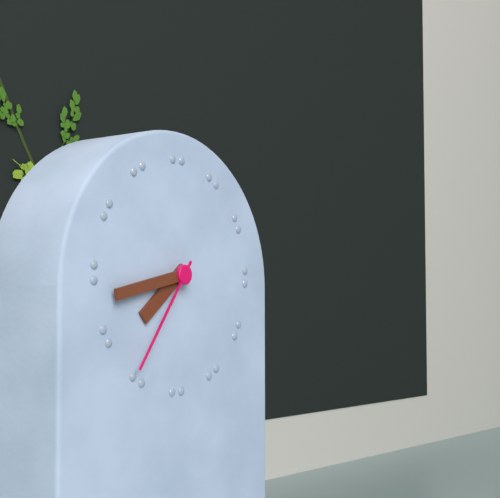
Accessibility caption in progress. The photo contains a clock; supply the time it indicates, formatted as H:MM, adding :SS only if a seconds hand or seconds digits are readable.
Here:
7:43:36
